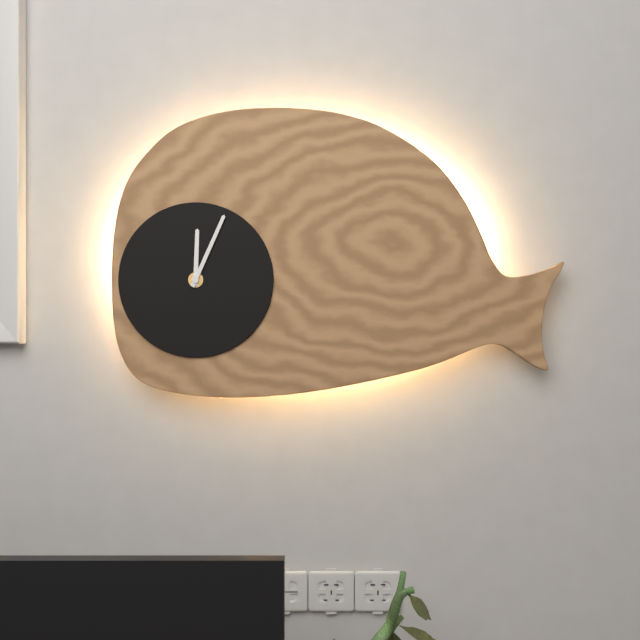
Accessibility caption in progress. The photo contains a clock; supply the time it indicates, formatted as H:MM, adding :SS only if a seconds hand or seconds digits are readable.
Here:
12:04
